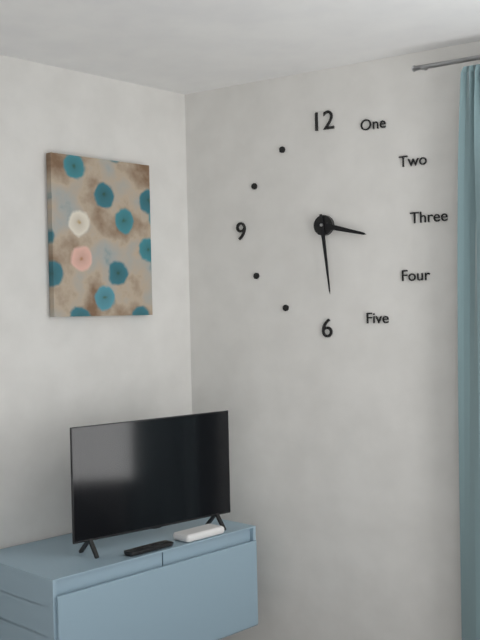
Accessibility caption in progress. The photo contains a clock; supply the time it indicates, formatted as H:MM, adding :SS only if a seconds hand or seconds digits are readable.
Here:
3:29
